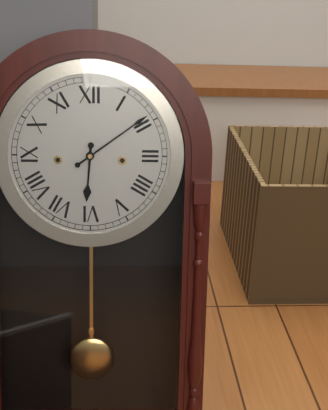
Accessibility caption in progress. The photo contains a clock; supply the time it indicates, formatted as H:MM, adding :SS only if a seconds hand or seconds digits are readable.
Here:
6:09
